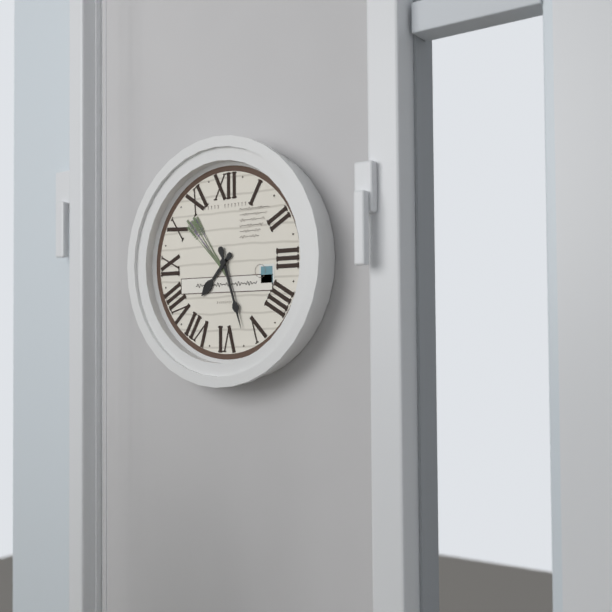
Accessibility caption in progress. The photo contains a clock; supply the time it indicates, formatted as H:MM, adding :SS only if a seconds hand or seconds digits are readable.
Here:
7:27
